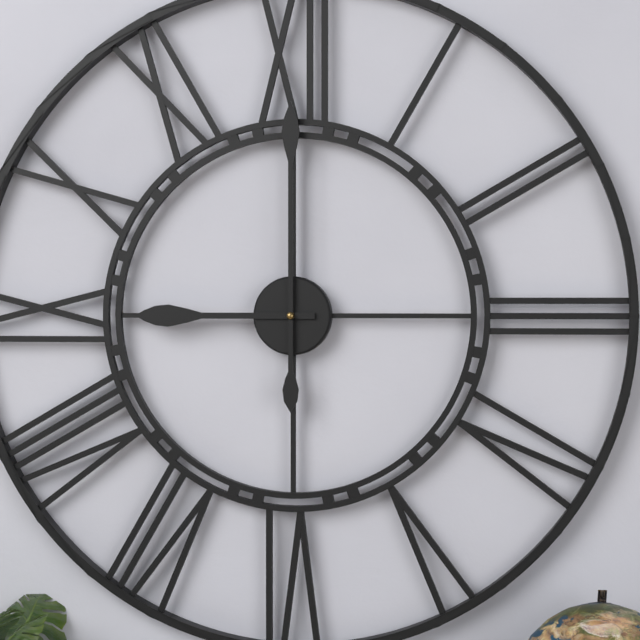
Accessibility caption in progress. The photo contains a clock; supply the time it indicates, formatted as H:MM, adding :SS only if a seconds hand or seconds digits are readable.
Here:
9:00
